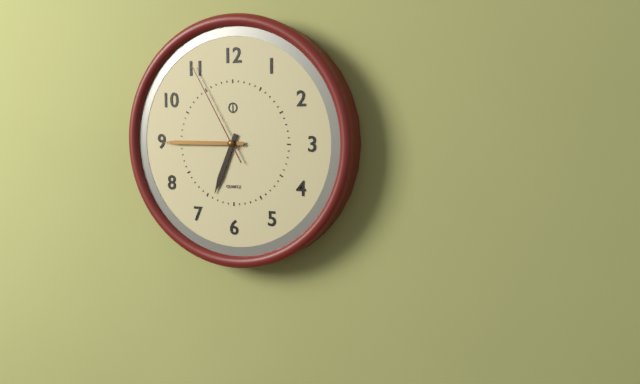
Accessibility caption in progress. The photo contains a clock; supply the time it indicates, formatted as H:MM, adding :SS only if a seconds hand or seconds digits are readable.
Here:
6:45:55
